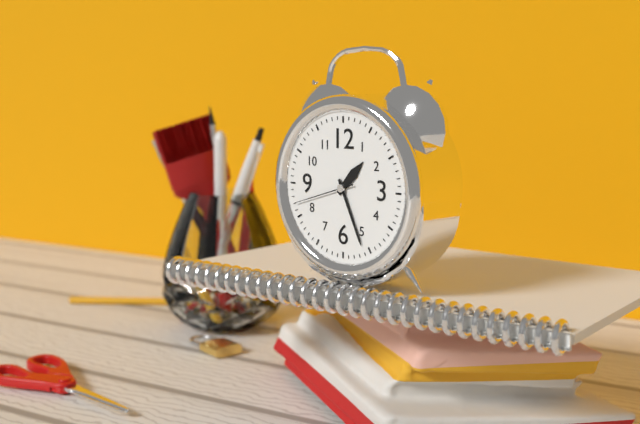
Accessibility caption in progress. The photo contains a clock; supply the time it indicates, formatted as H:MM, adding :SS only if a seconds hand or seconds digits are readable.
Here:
1:26:42
